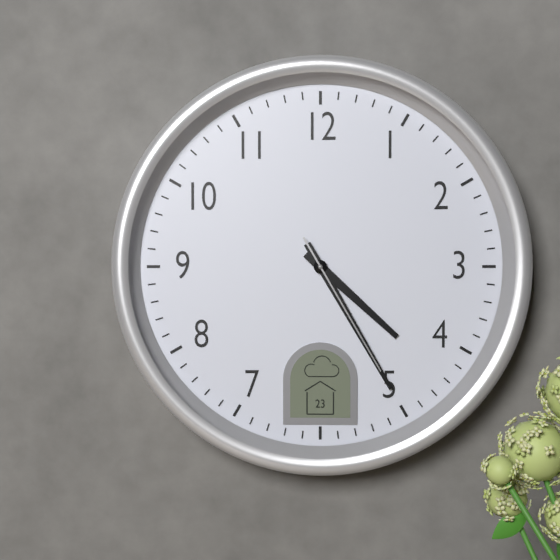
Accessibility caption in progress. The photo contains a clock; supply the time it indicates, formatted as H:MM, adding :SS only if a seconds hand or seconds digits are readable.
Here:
4:25:25
